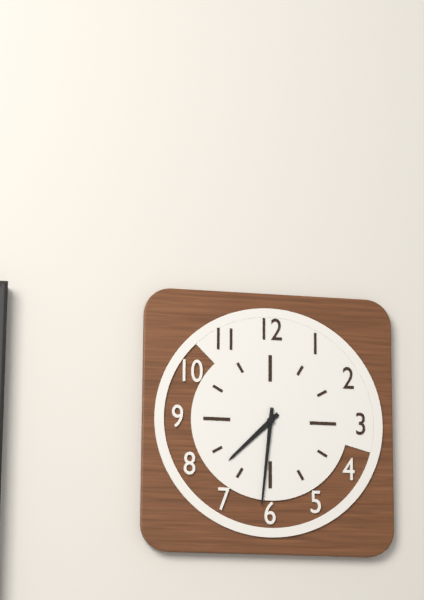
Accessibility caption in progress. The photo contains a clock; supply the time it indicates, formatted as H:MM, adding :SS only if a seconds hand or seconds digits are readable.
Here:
7:31
